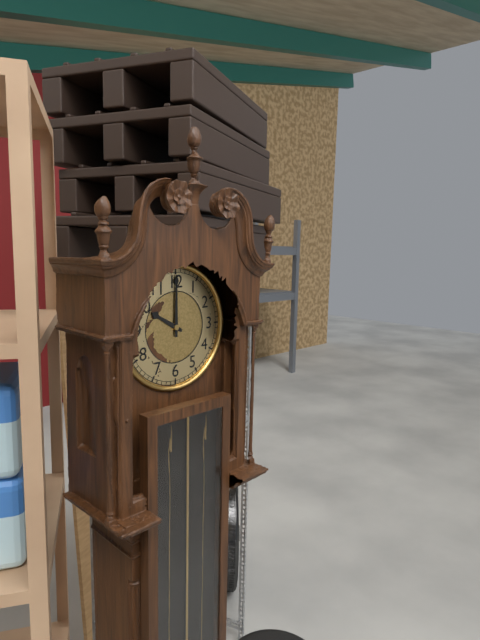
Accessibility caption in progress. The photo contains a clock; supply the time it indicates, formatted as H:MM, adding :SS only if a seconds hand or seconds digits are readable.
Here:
10:00
